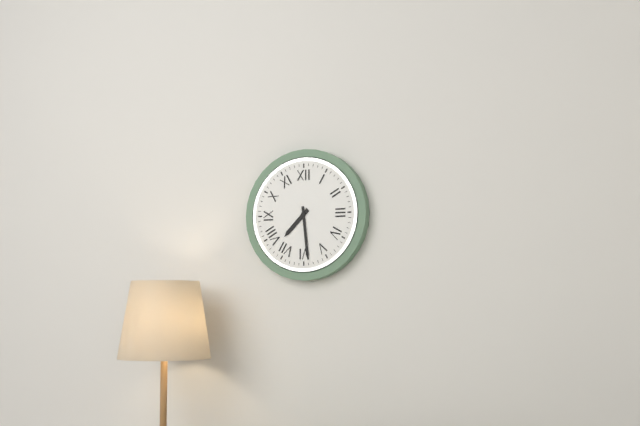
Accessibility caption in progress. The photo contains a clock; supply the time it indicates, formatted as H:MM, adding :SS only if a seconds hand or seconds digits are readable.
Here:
7:29
